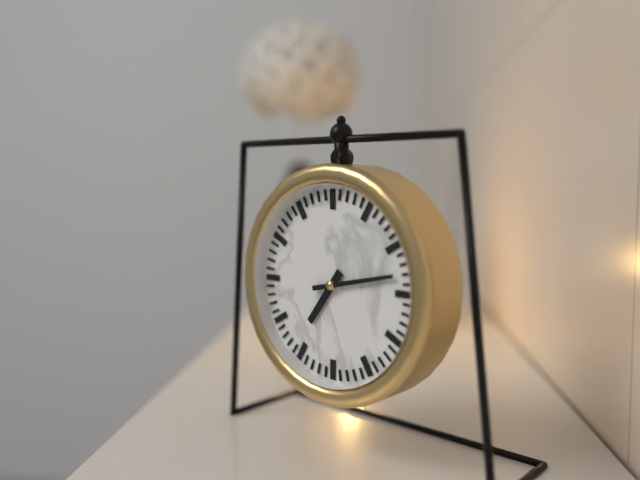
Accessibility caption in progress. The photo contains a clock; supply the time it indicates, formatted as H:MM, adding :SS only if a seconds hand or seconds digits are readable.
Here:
7:13
